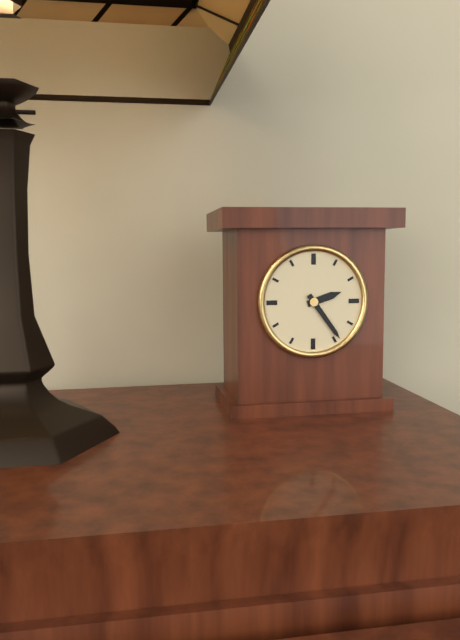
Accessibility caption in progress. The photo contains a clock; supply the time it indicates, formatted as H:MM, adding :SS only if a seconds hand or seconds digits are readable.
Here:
2:24
